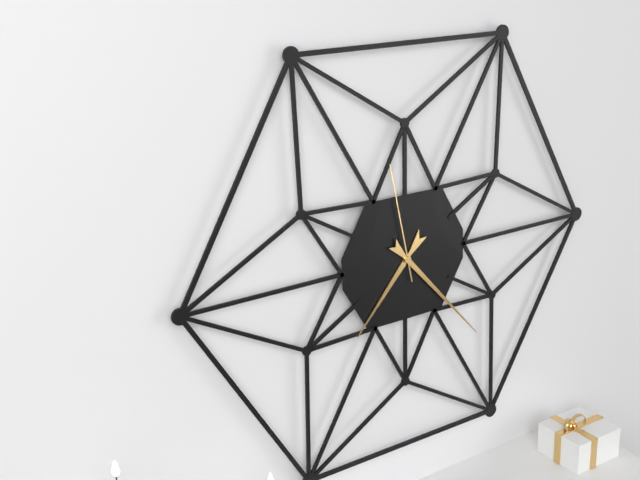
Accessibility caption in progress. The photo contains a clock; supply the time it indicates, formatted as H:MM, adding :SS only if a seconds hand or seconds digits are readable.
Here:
7:23:58
